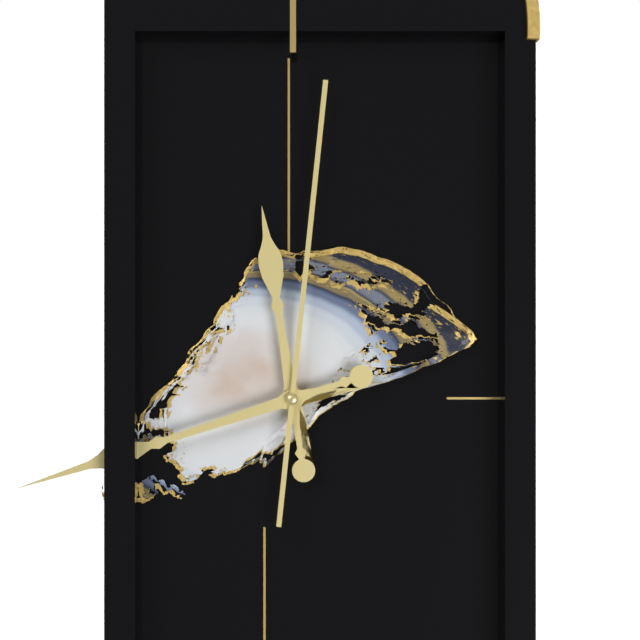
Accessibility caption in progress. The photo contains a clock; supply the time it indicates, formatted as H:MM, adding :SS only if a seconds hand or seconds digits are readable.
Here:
11:42:01
